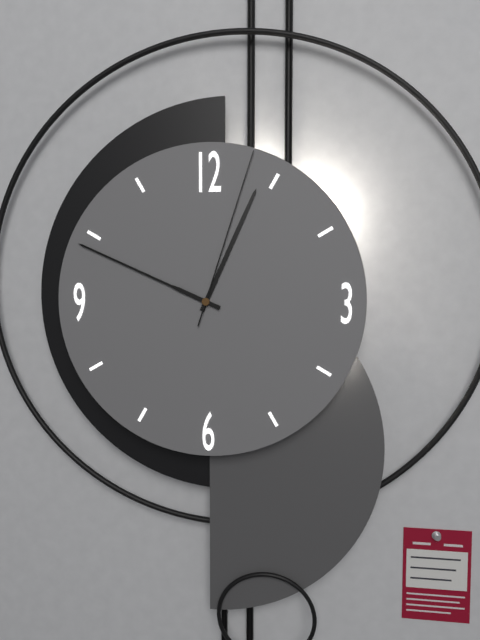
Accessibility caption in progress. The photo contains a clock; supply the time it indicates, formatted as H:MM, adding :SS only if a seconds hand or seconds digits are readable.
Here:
12:49:03
